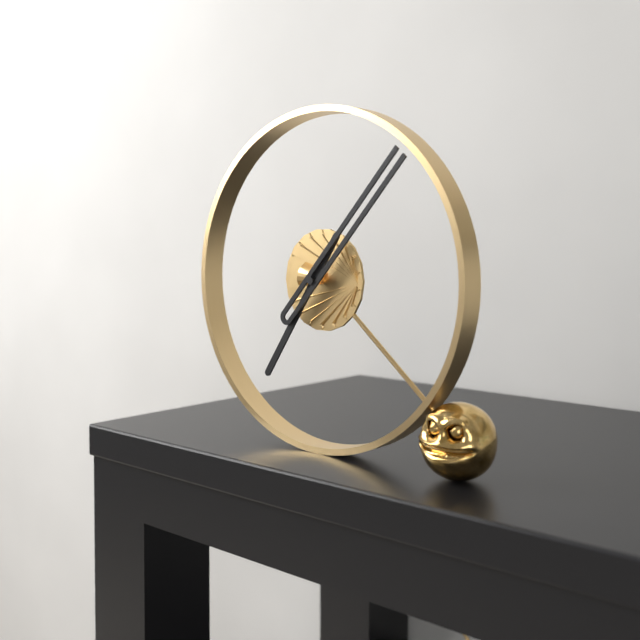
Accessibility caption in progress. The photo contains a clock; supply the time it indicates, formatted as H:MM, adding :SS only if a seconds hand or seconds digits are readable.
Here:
7:07
